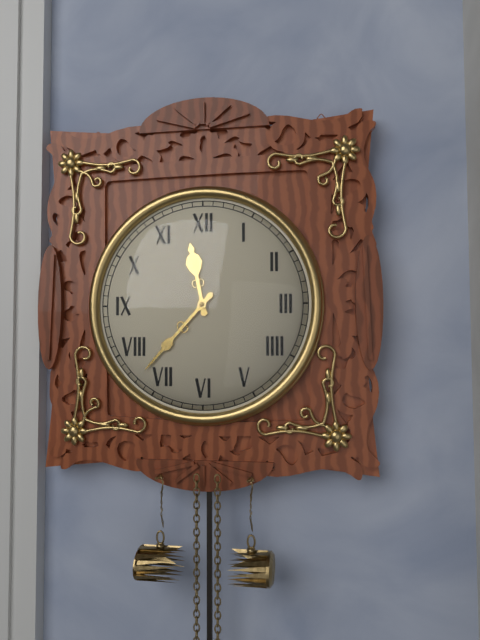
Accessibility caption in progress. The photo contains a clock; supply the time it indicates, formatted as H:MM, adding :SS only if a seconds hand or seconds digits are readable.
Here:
11:37
